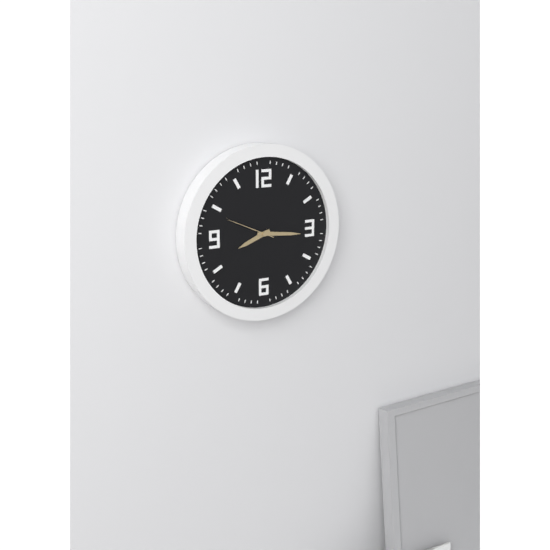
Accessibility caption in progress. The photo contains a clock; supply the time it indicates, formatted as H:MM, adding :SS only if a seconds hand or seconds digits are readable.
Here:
8:16:49
